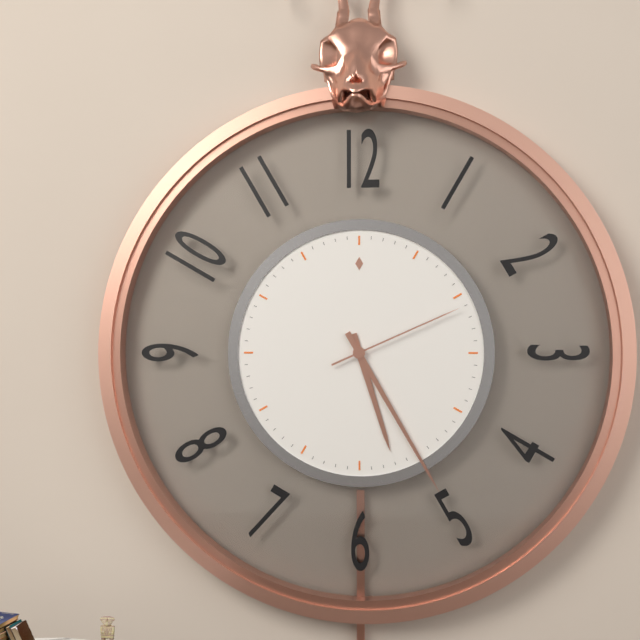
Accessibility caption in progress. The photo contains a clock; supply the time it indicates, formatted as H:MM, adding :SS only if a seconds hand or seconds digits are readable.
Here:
5:25:11
